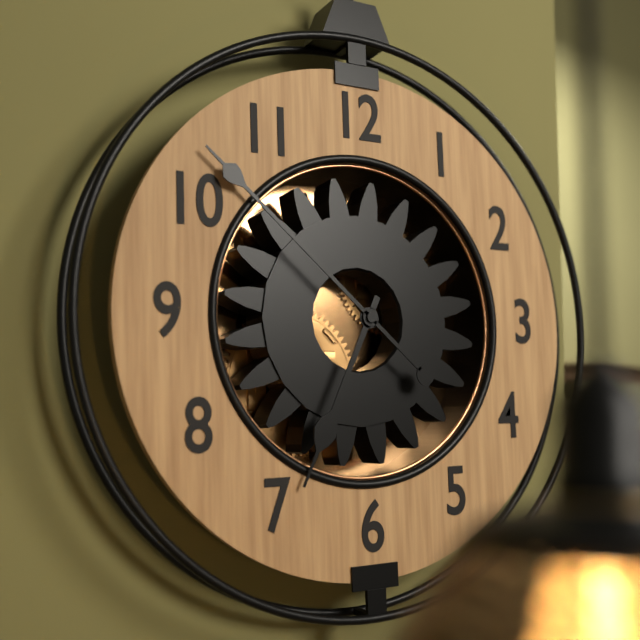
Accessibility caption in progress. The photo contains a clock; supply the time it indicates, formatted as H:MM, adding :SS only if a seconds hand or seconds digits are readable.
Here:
6:52
